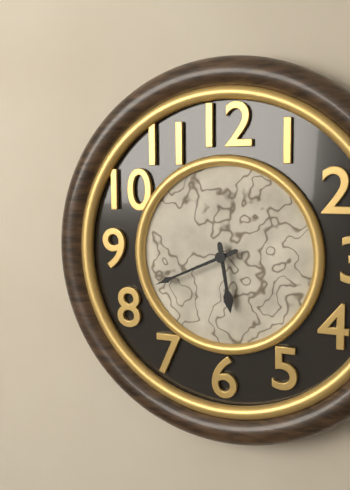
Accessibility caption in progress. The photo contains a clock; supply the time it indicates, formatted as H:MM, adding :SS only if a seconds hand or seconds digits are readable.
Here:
5:41
